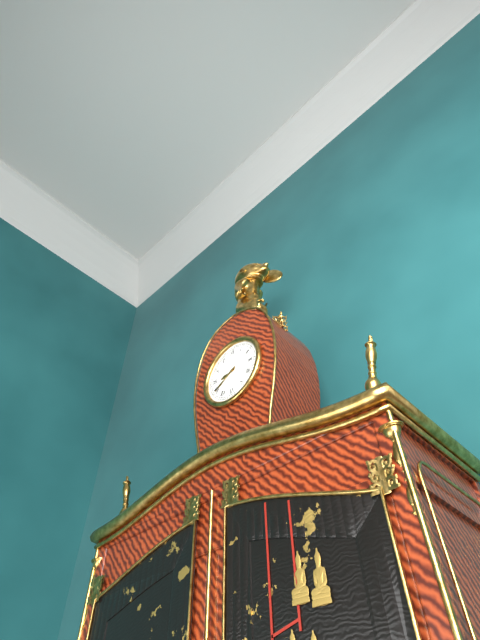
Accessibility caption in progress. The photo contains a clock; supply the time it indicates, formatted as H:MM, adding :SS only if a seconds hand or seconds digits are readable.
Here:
8:40
